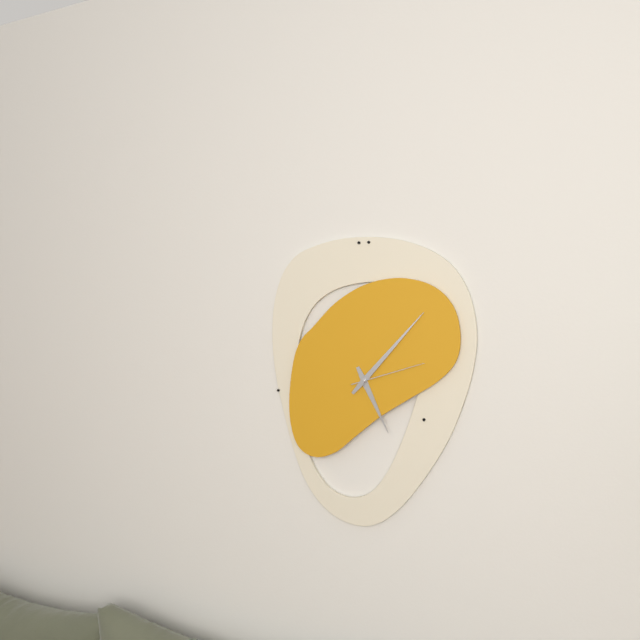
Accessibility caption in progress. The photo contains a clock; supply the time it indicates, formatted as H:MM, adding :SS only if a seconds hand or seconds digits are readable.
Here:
5:07:12
